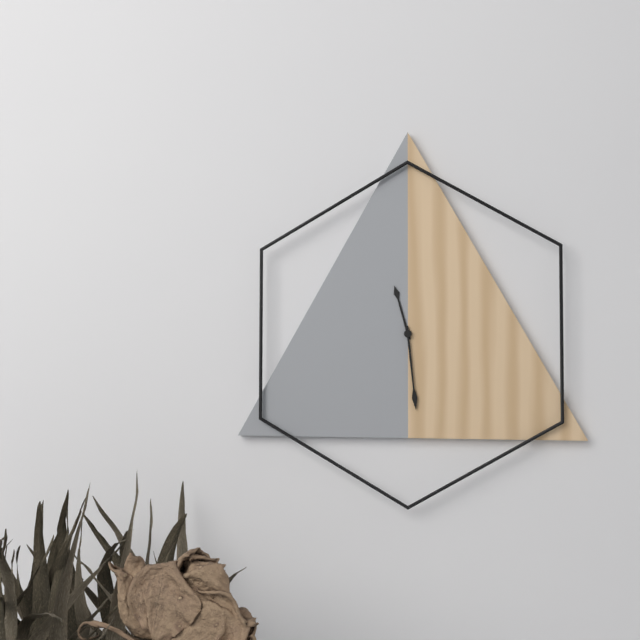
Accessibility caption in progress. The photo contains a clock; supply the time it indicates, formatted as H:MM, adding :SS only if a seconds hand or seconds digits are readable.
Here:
11:29
